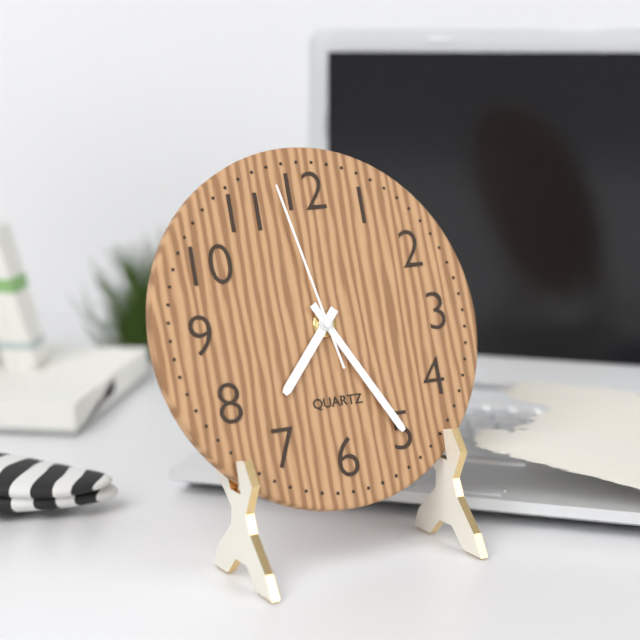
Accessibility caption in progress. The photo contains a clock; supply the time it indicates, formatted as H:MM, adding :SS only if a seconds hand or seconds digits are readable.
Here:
7:25:58
